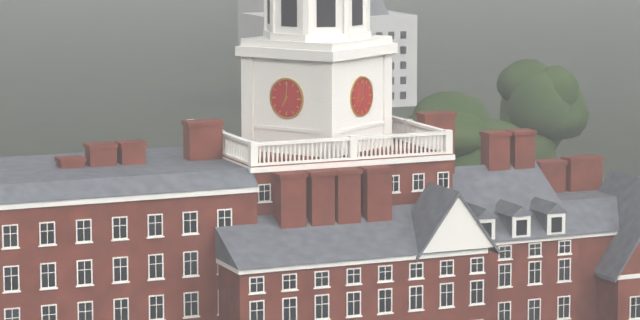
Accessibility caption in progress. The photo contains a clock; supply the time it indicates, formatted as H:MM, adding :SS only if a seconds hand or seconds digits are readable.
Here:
7:01
